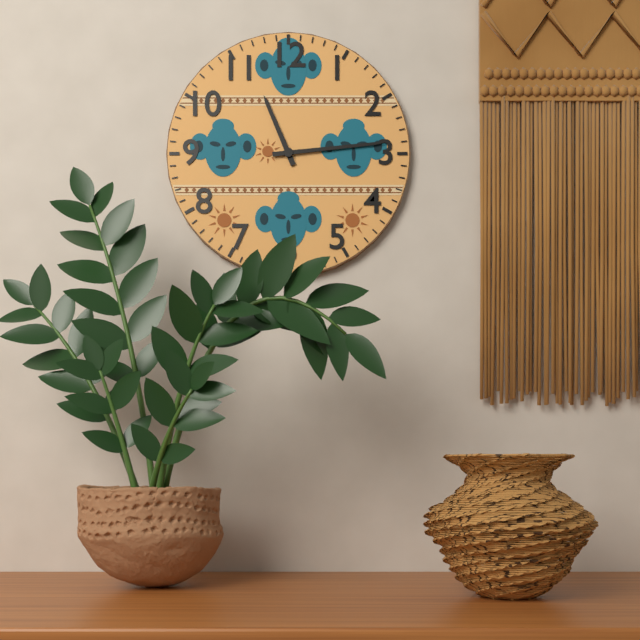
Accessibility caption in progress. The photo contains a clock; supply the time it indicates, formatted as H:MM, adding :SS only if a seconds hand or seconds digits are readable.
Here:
11:14
